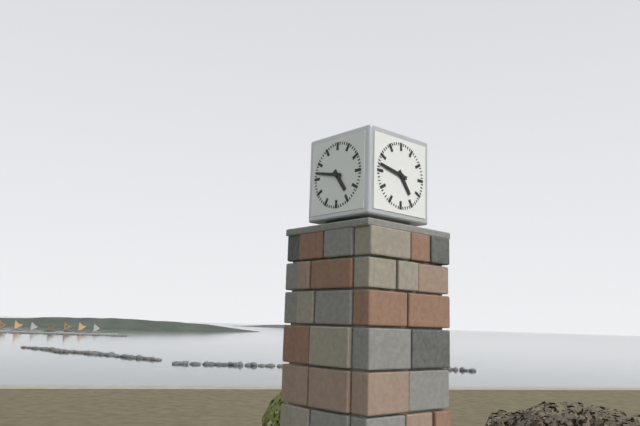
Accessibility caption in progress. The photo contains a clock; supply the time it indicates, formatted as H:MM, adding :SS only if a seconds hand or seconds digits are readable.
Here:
4:47
